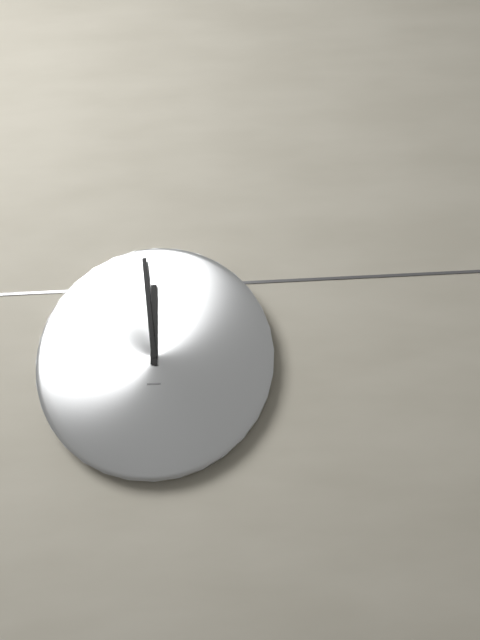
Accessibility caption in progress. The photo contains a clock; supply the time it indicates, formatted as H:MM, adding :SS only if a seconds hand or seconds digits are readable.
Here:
11:59
